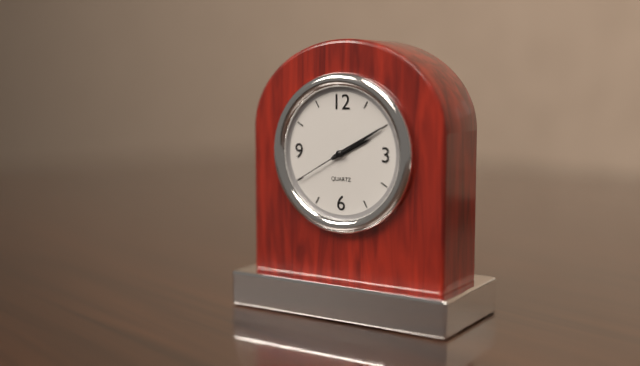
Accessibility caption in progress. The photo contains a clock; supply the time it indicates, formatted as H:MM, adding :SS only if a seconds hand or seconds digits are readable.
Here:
2:10:40
